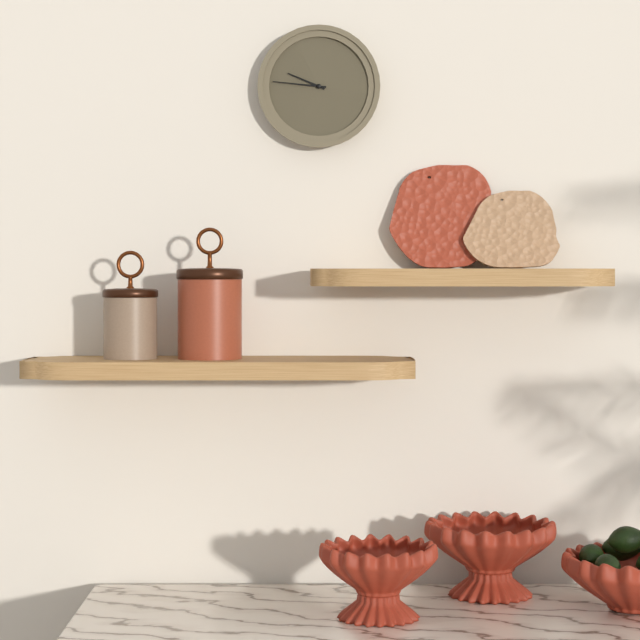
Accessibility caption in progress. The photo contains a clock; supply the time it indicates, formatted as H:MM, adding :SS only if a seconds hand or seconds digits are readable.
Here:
9:46
